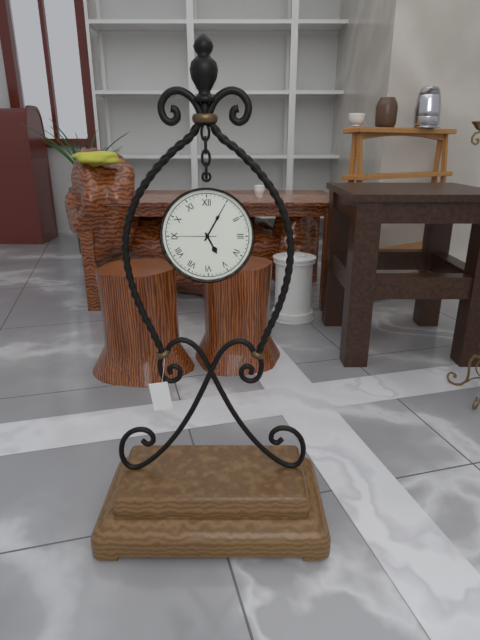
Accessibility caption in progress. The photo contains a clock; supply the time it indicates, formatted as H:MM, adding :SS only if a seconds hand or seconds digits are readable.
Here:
5:05
